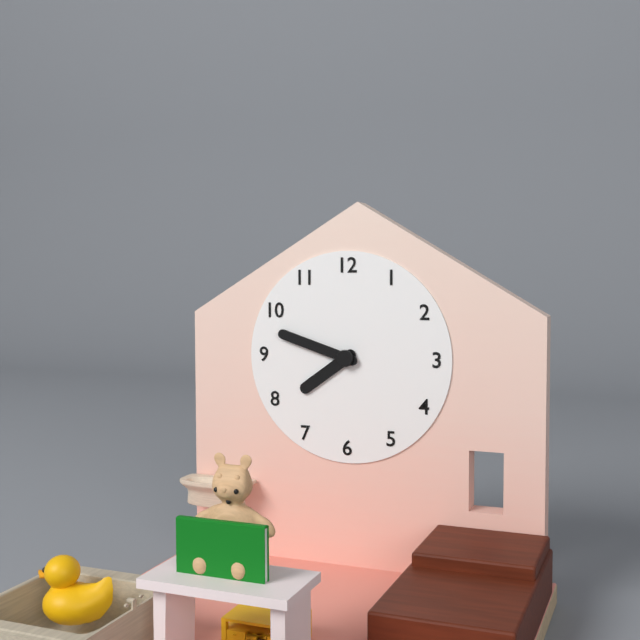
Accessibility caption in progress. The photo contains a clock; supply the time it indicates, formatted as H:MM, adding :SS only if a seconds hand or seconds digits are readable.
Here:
7:48
